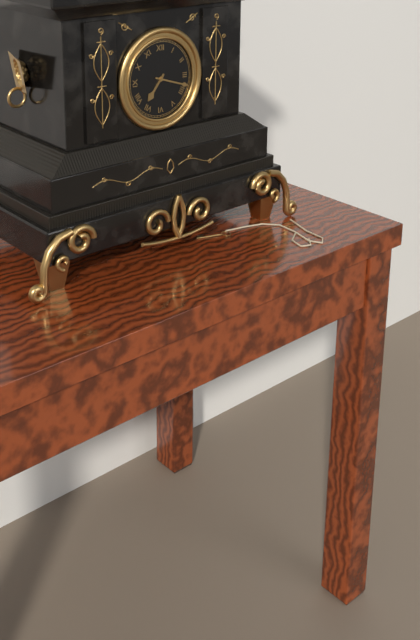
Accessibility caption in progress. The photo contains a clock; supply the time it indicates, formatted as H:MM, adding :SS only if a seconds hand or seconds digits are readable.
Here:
7:18
